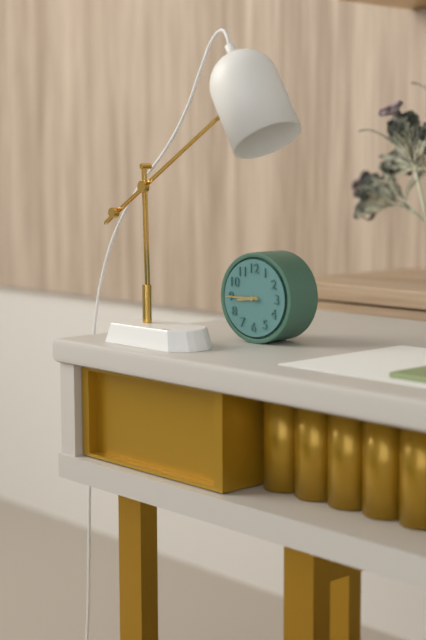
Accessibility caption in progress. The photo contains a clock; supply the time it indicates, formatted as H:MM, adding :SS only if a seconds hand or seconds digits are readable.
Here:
8:45
